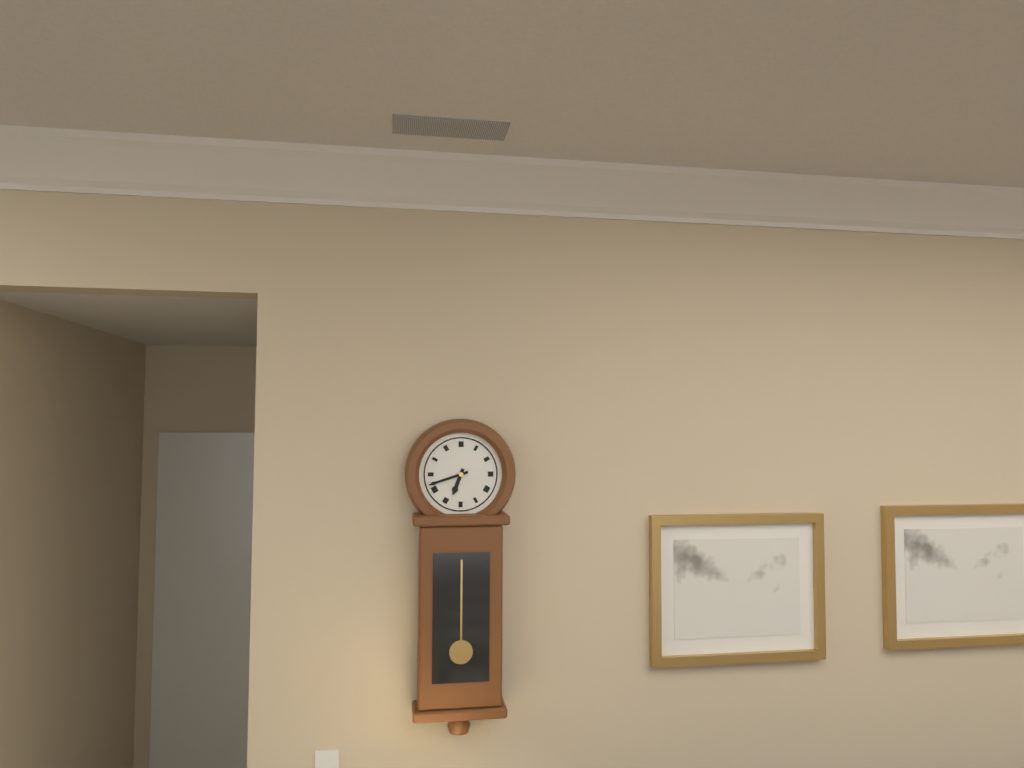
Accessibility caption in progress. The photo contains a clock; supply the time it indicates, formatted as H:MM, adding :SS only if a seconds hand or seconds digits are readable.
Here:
6:42
